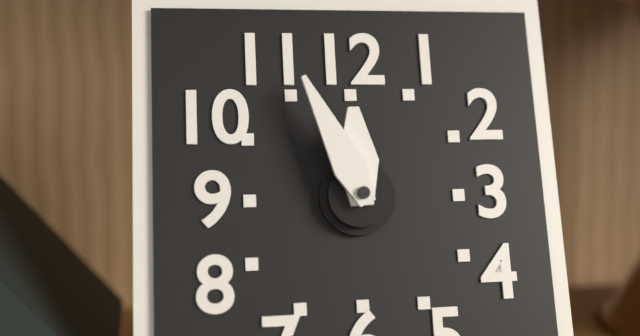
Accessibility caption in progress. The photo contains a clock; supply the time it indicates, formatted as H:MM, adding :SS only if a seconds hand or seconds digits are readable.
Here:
11:56
